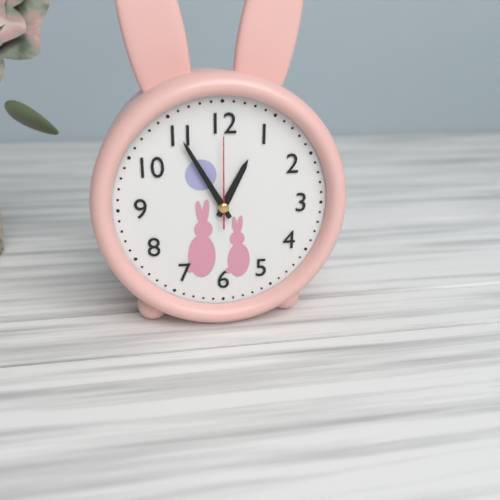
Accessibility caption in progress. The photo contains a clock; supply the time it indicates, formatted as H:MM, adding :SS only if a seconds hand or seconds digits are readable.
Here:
12:55:00
